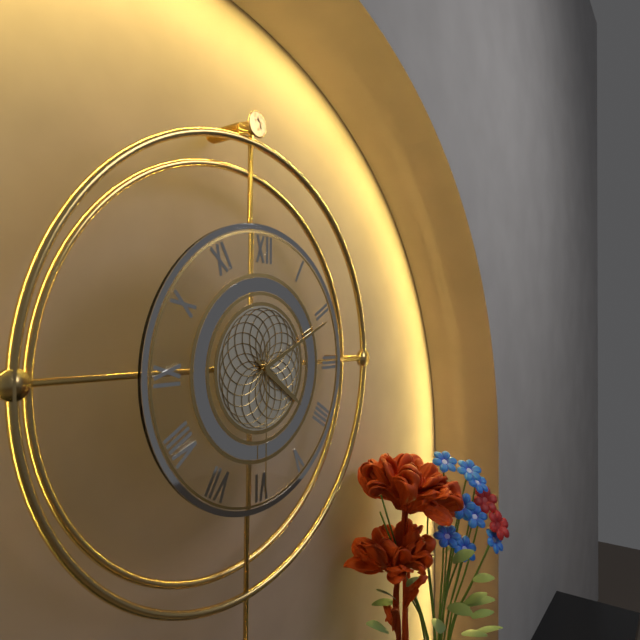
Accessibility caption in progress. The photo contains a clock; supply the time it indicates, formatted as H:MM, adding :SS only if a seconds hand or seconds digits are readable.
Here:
4:11:30
